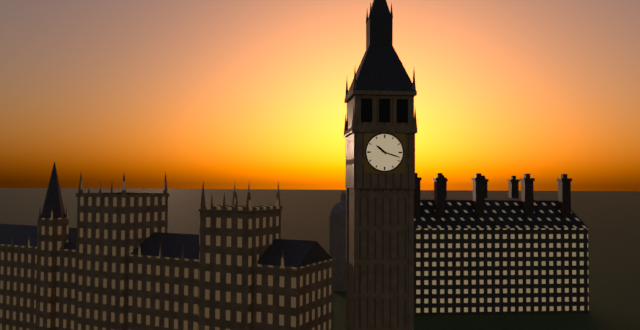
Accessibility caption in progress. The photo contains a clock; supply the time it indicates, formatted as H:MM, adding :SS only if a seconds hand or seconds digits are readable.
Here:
10:18
